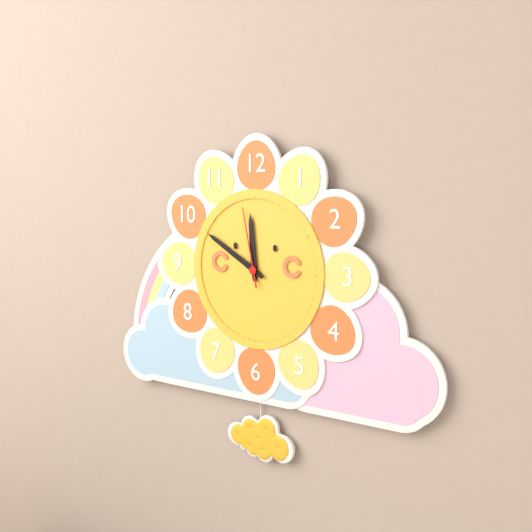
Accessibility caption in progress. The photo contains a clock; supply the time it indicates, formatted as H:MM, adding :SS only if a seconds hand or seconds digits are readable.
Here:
11:50:58
